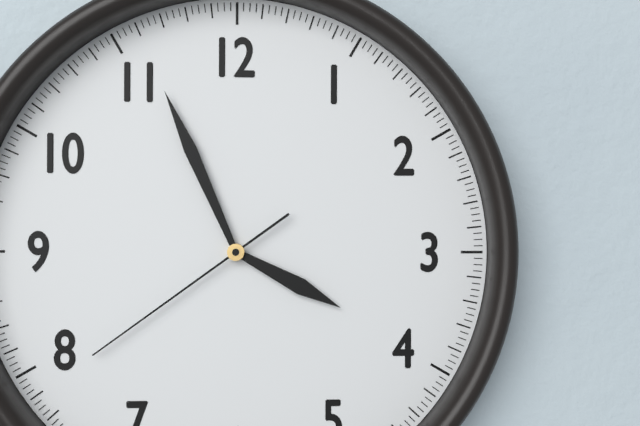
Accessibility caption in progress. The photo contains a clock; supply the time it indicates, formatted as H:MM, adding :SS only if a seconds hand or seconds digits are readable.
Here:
3:56:39
